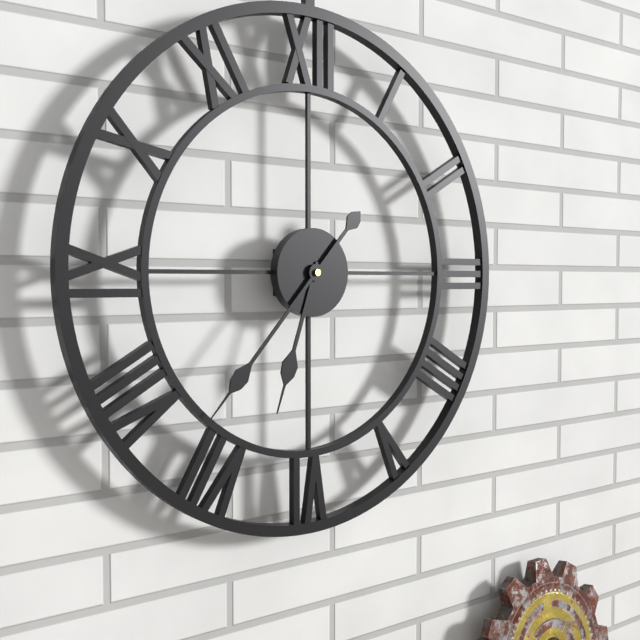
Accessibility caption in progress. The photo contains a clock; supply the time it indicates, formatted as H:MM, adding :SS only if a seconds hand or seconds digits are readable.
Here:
6:37
